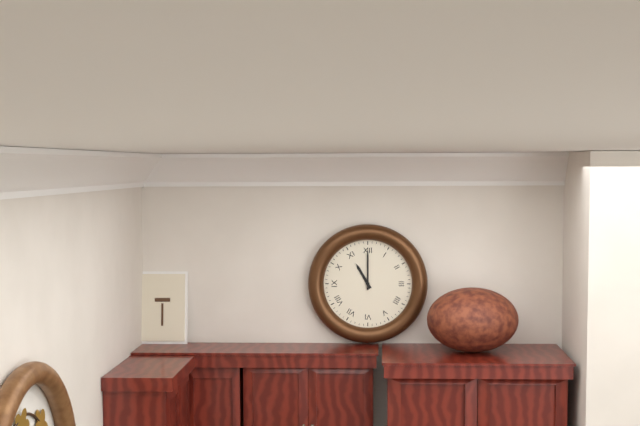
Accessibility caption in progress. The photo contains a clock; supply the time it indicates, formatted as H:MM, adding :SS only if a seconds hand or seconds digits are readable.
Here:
11:00
